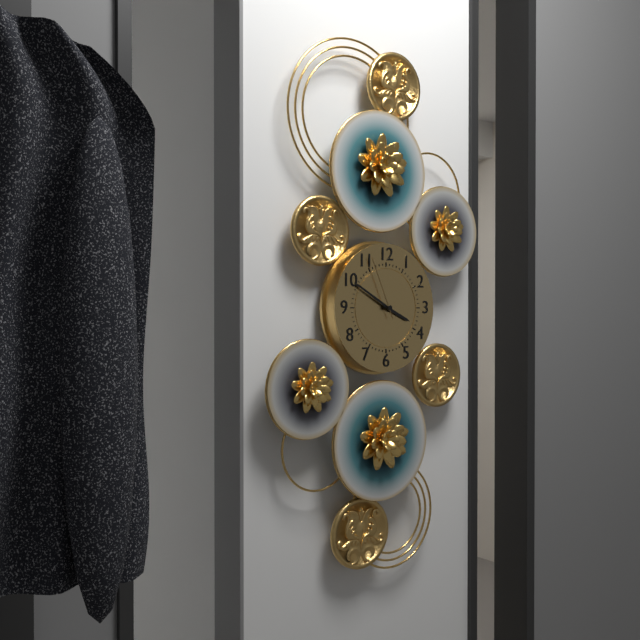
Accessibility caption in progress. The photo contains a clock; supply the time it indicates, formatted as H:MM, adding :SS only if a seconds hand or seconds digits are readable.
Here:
3:50:56
